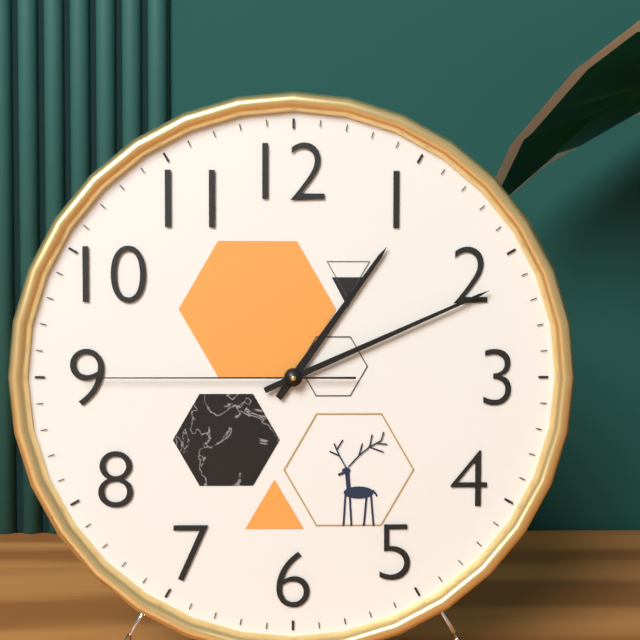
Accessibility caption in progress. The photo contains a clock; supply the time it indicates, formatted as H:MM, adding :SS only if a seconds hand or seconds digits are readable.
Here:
1:11:45
